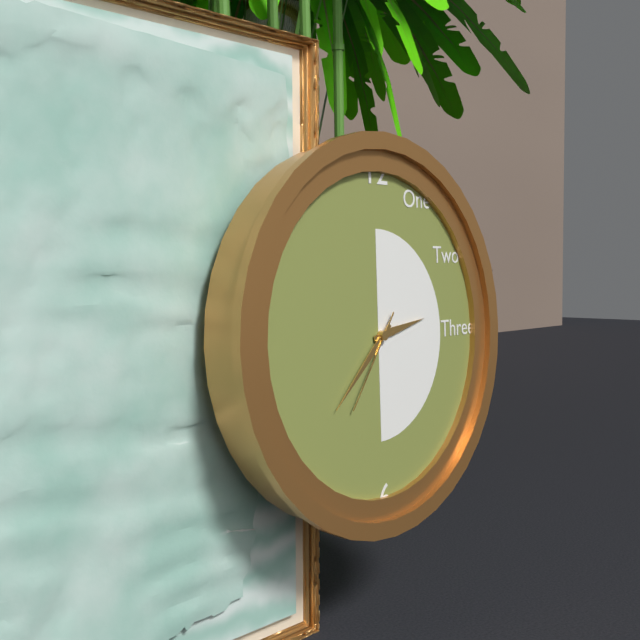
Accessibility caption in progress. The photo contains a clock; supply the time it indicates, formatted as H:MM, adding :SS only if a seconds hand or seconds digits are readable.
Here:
2:38:36
